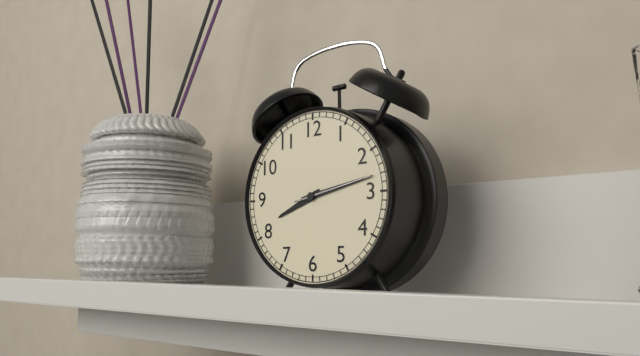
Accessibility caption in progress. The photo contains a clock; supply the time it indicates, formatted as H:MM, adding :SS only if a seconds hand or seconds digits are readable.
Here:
8:13:13
